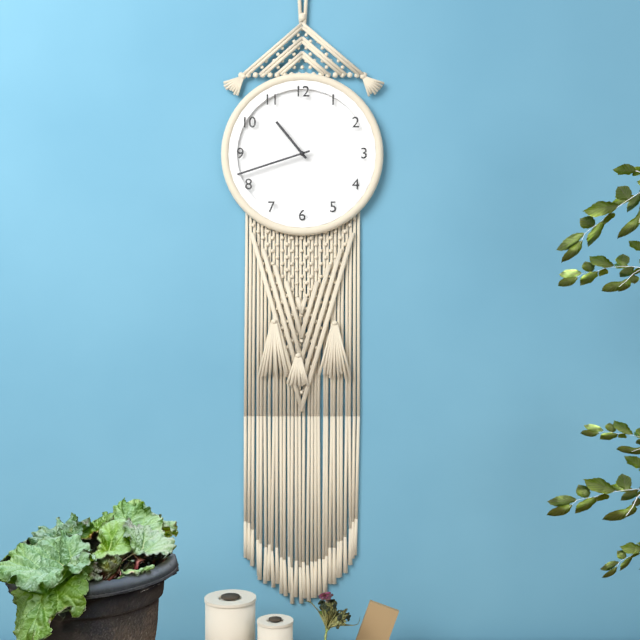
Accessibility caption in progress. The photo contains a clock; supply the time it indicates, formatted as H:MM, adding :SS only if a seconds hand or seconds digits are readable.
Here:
10:42
